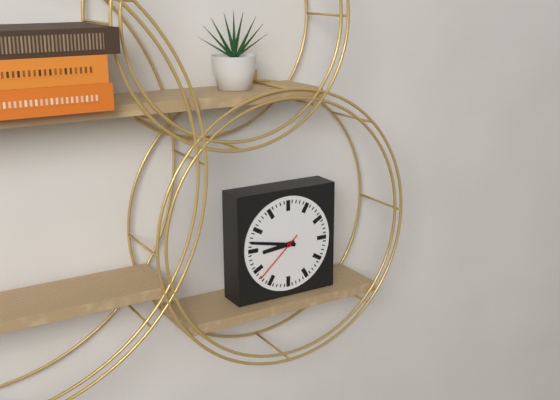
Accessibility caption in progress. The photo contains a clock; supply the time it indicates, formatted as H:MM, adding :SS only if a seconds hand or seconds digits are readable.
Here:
8:47:38
